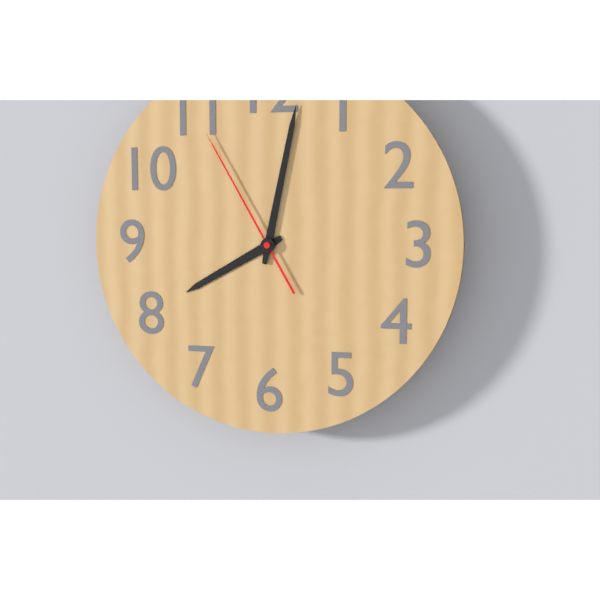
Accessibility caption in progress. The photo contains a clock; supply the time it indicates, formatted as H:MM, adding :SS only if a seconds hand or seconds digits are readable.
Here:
8:02:55
